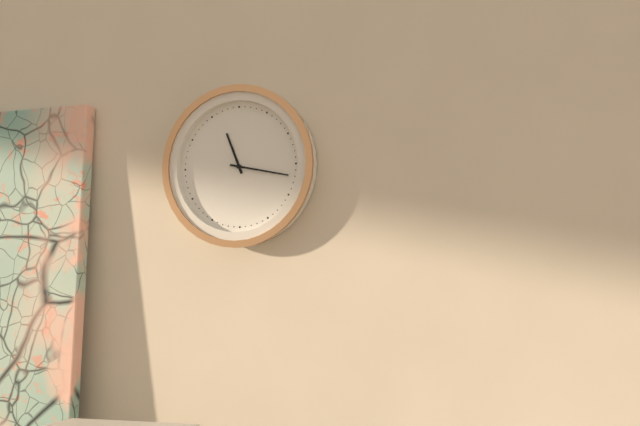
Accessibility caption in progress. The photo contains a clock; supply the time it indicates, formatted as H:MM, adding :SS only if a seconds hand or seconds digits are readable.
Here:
11:17
